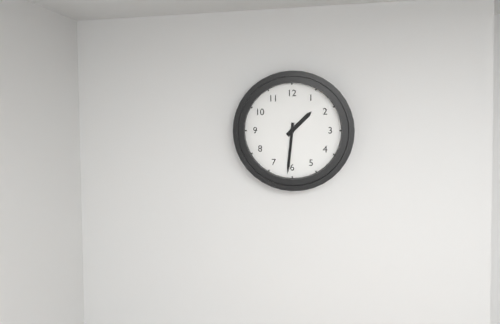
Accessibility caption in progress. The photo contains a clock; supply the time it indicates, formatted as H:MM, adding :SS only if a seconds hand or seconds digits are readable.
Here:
1:31
